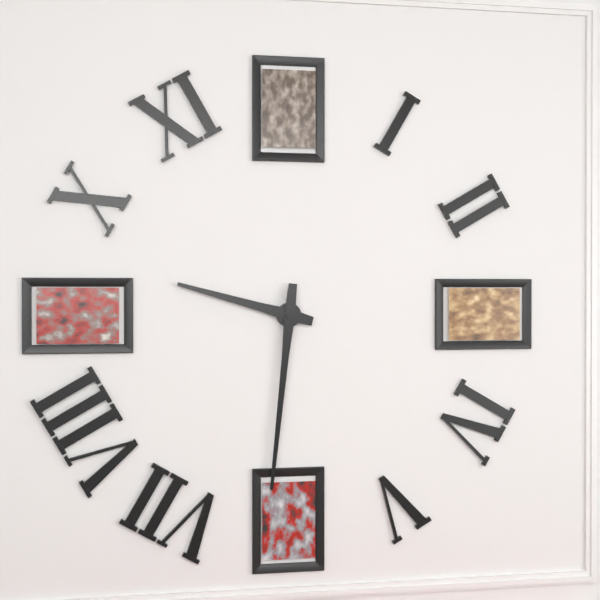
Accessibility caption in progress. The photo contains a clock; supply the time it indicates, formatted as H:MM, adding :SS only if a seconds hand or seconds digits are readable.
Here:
9:31
